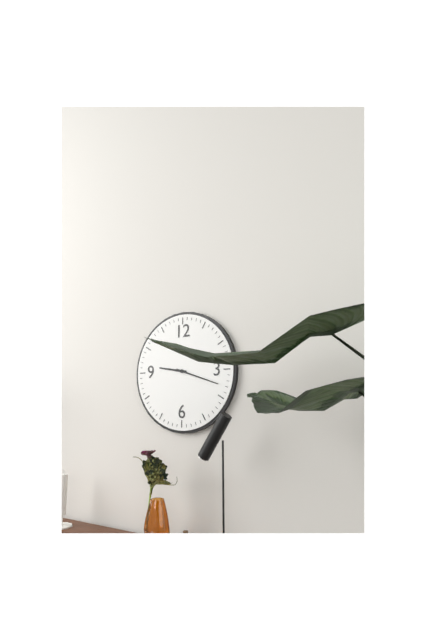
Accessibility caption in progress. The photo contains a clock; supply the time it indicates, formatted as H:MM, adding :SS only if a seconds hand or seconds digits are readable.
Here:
9:18
